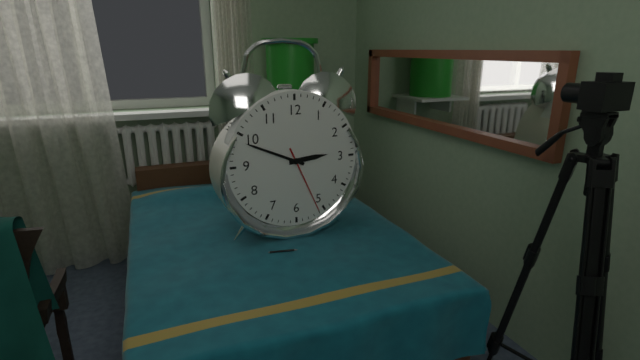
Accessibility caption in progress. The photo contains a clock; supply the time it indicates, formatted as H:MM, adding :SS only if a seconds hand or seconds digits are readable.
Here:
2:49:26
